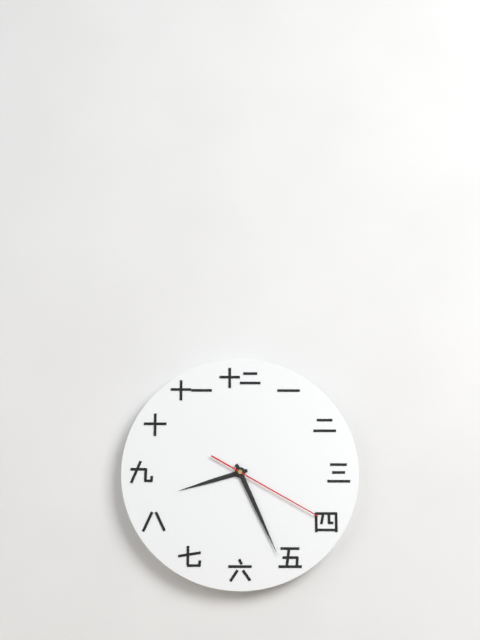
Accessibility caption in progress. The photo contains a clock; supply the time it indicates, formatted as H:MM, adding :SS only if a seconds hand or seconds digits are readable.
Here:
8:26:20
